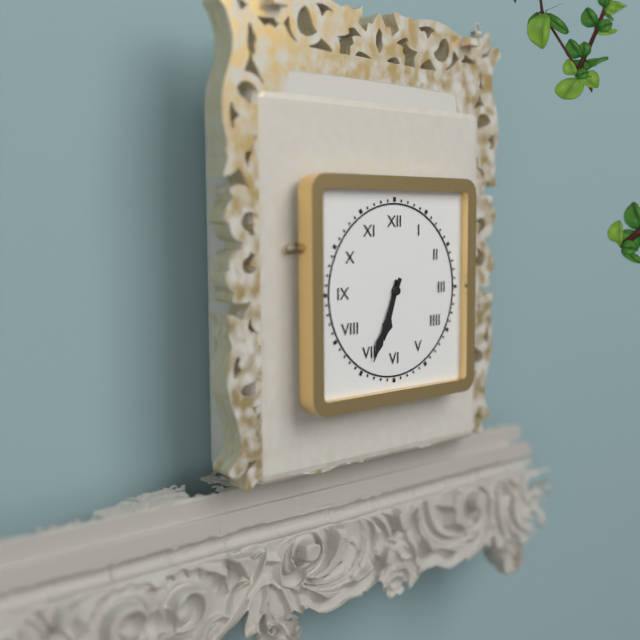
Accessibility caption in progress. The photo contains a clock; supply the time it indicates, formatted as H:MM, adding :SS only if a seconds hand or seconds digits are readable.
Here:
6:34
